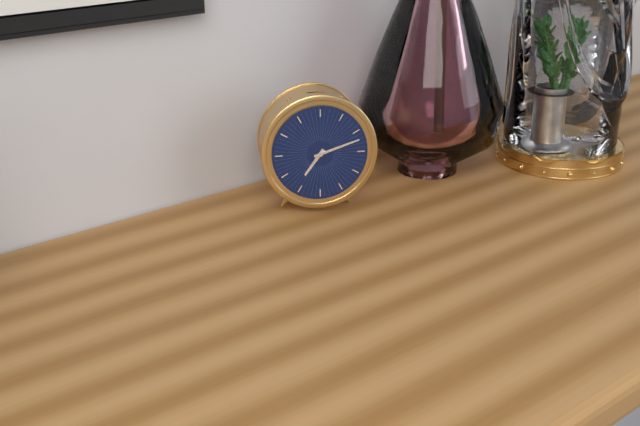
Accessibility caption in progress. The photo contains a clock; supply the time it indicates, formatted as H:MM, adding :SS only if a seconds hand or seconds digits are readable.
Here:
7:12
